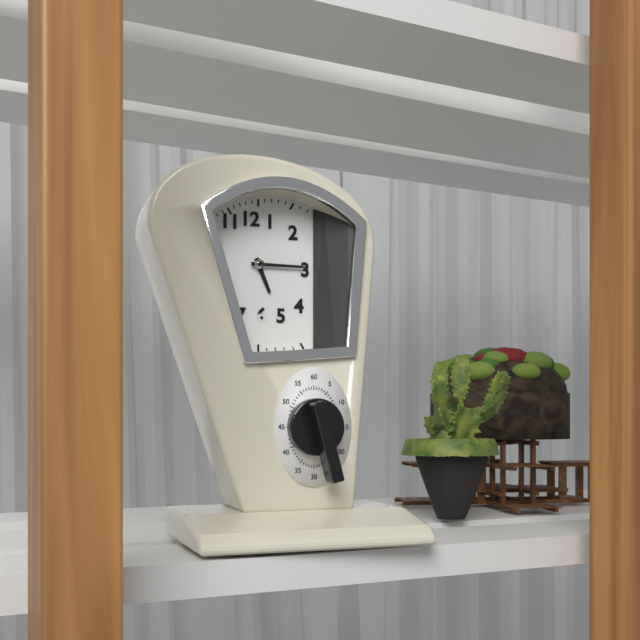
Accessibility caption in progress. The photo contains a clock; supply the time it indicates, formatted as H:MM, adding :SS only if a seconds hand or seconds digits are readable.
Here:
5:15
